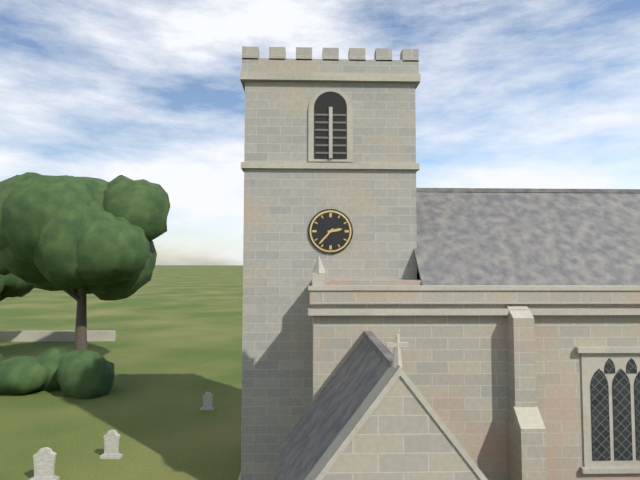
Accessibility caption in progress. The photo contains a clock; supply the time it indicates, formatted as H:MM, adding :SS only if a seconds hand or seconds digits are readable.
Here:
2:37
